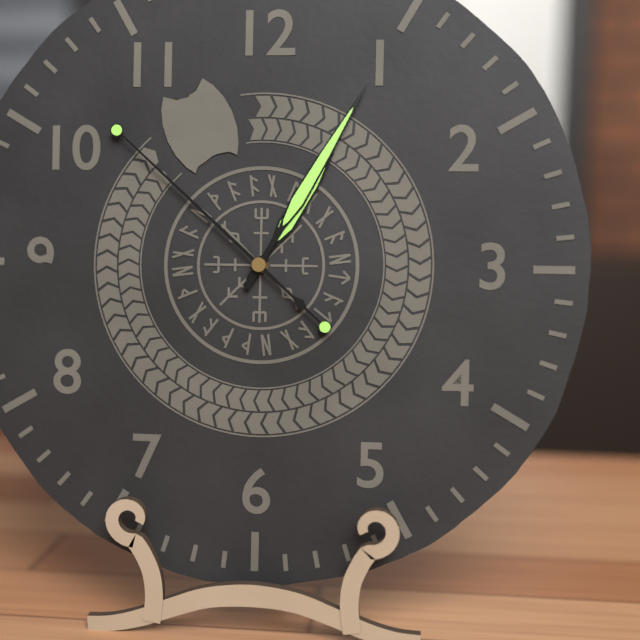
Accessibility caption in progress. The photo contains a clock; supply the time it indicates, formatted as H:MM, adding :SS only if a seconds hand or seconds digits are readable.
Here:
1:05:52
